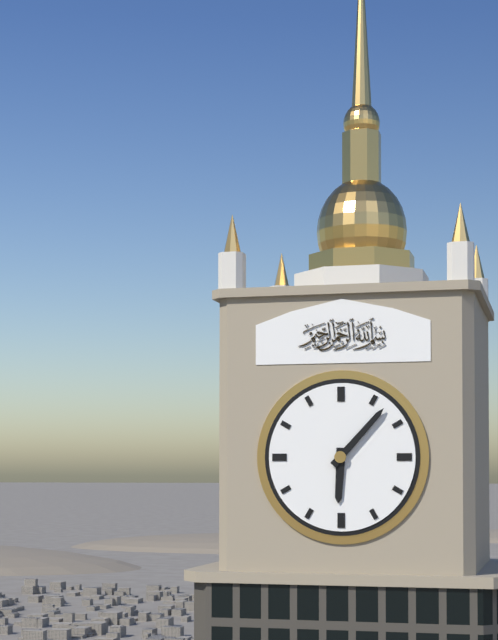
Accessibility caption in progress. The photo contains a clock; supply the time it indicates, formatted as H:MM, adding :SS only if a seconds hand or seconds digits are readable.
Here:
6:07
